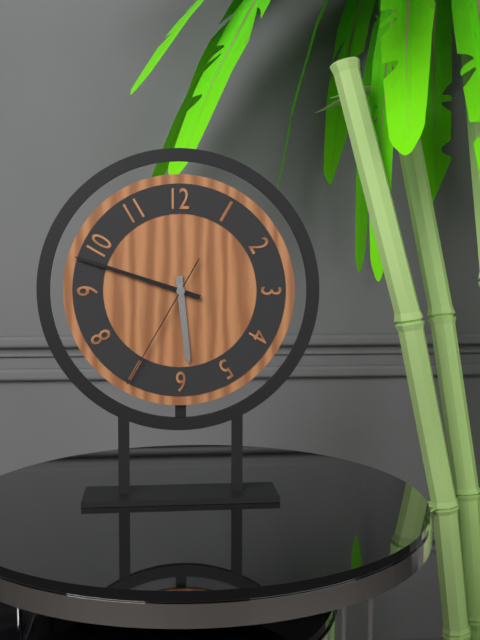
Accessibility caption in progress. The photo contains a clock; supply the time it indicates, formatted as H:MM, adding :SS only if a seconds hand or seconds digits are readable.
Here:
5:48:35
